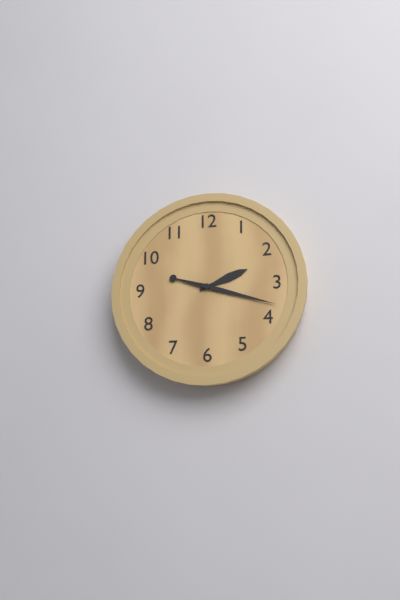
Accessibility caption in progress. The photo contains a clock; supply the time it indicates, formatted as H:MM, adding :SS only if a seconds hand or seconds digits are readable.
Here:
2:18
